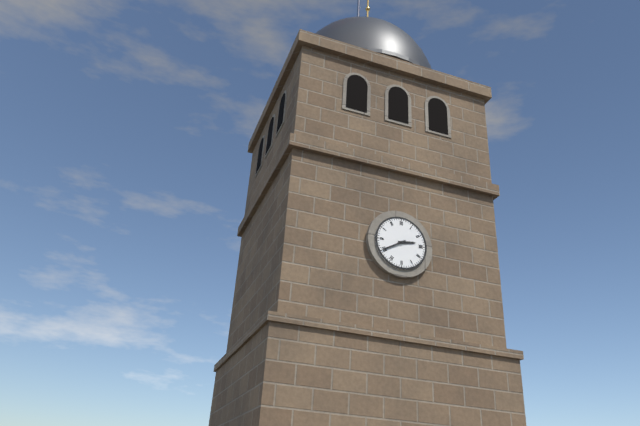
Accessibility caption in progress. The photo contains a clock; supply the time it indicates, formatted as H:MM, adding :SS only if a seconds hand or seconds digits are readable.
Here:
2:40
